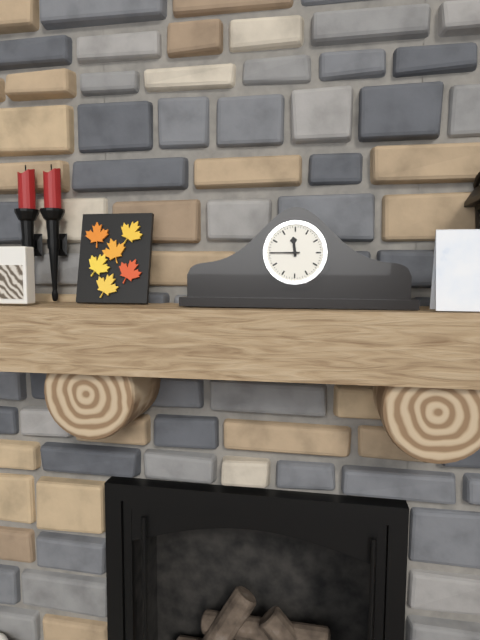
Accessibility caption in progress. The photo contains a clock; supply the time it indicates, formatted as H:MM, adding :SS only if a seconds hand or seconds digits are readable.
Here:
11:45
